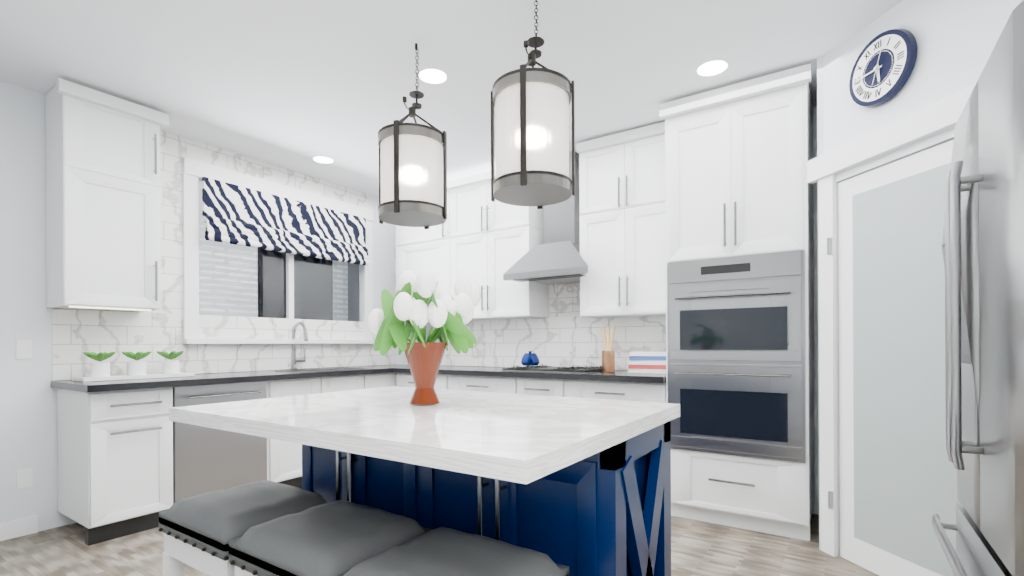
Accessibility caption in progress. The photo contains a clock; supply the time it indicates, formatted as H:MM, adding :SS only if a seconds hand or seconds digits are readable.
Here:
5:45
